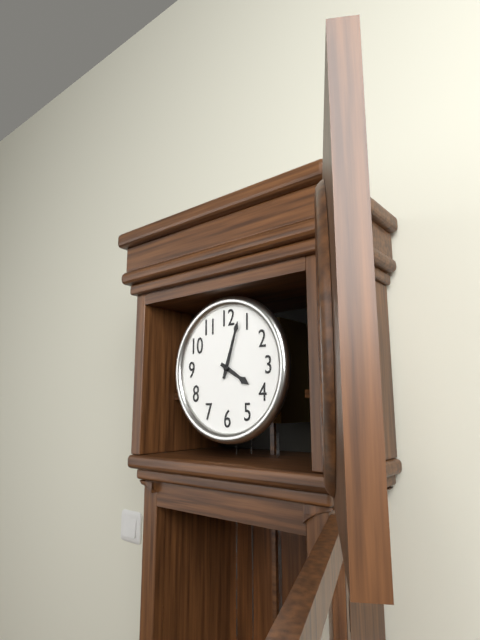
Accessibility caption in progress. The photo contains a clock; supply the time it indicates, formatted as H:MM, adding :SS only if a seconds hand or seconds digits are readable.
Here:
4:03
